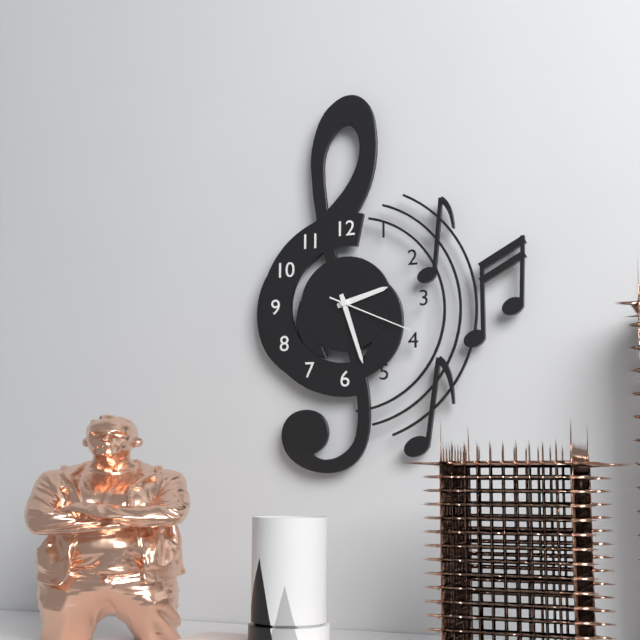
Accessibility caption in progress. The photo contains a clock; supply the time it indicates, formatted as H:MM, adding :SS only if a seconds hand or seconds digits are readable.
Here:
2:27:19
